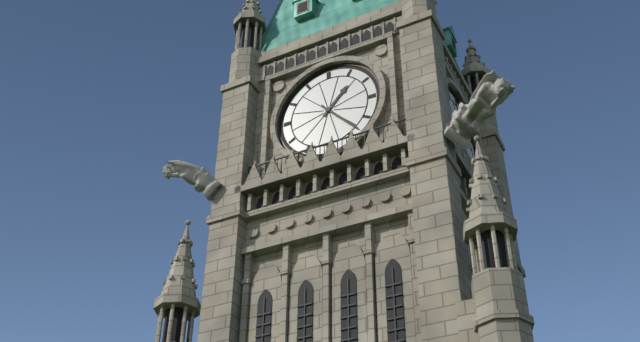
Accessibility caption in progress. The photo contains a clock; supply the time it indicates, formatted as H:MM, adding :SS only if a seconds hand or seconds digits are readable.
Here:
1:23
